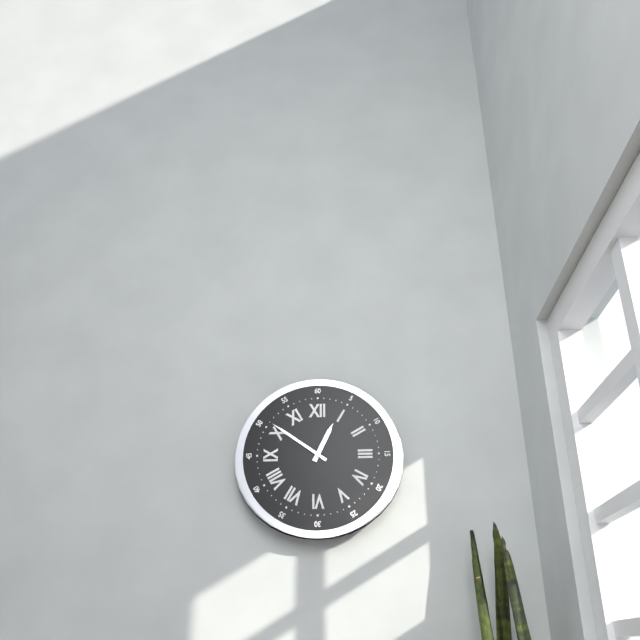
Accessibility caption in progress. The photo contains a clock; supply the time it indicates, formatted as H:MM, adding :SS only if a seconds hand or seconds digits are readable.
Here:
12:51
